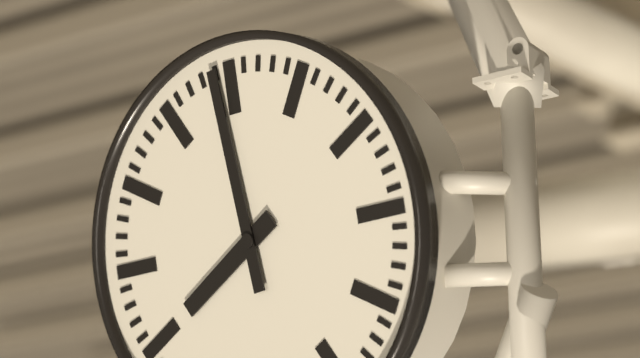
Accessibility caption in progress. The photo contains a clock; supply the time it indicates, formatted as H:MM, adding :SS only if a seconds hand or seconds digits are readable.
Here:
7:59
